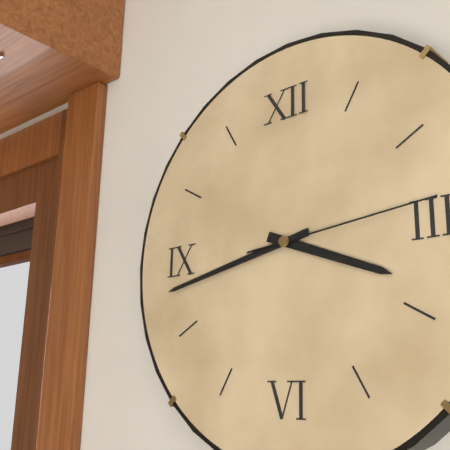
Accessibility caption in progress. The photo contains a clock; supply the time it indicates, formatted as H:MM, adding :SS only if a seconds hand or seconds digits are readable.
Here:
3:43:14
